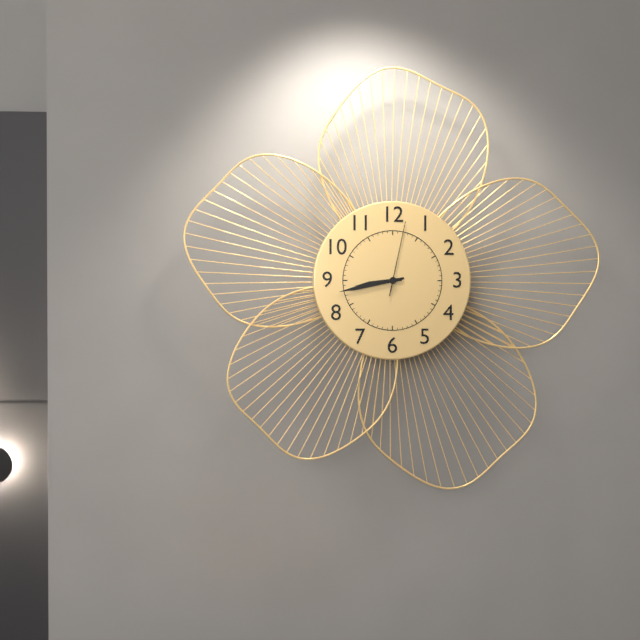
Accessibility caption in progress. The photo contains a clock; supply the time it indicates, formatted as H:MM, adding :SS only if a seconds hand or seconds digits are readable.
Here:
8:43:02
